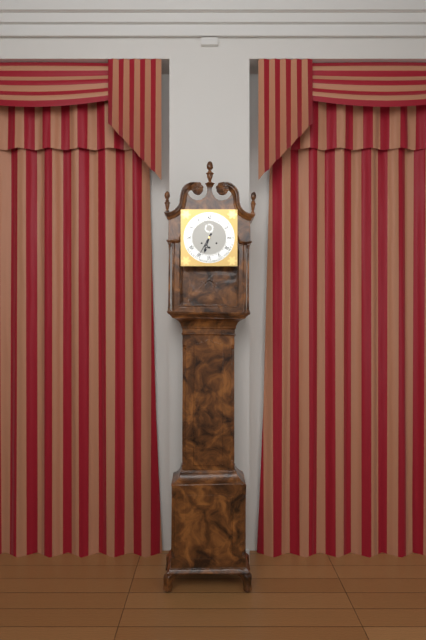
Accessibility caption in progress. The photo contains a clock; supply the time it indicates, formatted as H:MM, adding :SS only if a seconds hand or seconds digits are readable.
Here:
6:35
